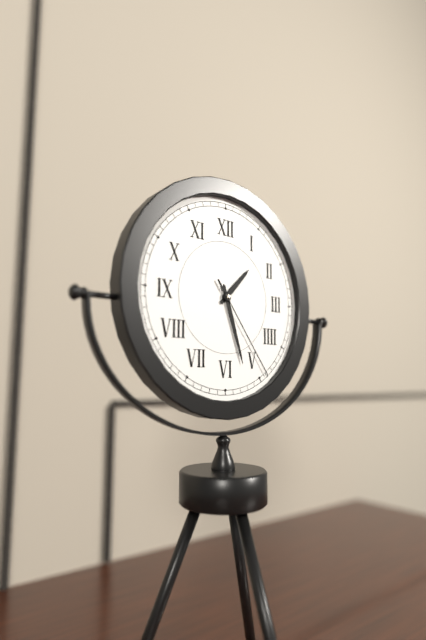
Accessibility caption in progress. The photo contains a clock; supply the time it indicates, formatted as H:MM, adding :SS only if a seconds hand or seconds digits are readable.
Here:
1:27:24
